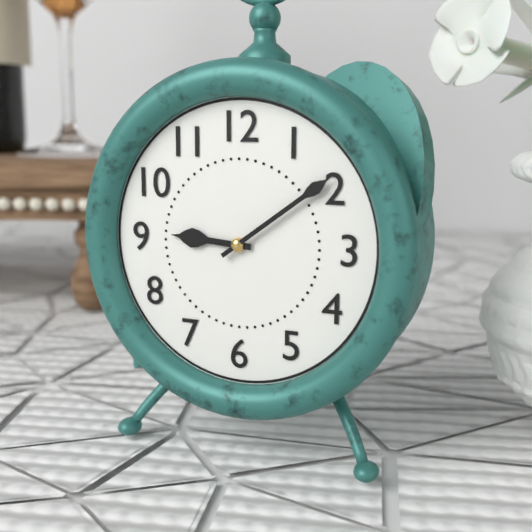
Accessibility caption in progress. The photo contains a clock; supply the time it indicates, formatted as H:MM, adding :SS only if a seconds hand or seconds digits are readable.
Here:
9:09
